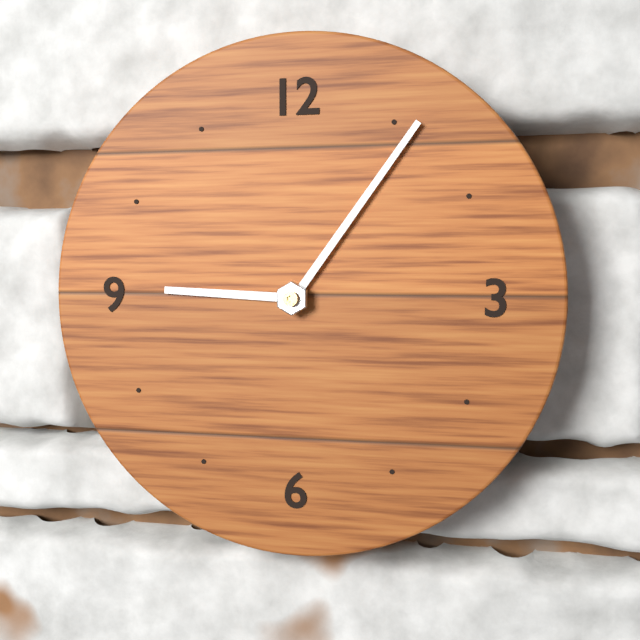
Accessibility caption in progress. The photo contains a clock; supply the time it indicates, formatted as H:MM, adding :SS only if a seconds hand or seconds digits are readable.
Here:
9:06
